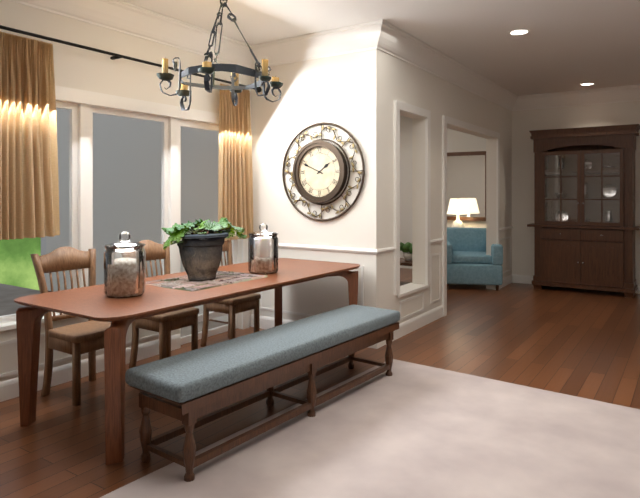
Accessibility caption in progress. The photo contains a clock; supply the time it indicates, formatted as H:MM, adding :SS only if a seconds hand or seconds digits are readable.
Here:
1:49
